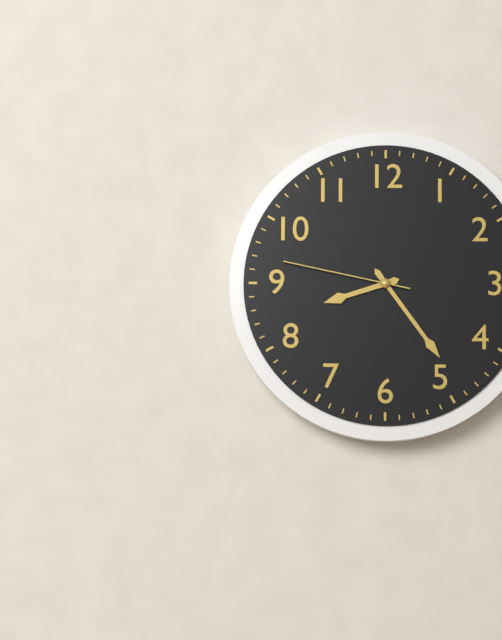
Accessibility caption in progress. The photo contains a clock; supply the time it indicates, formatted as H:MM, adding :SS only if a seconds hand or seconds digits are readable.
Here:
8:24:47
